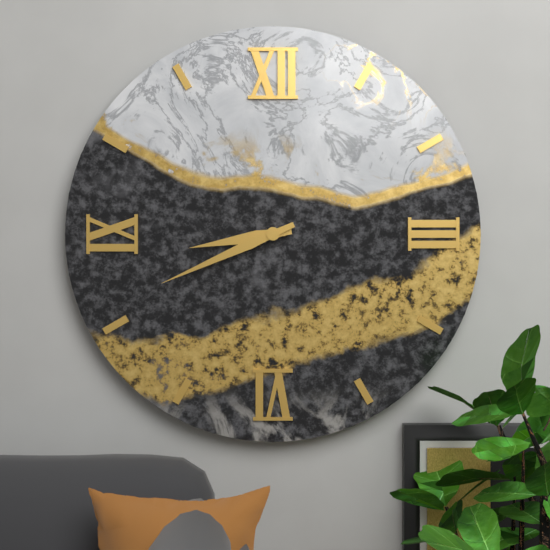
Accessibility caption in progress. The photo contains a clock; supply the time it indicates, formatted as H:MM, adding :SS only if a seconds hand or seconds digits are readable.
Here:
8:41
